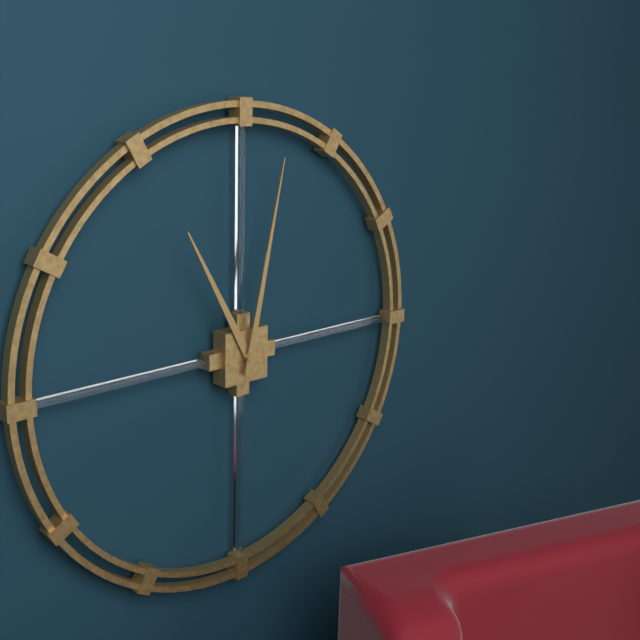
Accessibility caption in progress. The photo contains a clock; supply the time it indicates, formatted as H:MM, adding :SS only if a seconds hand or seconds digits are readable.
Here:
11:02
